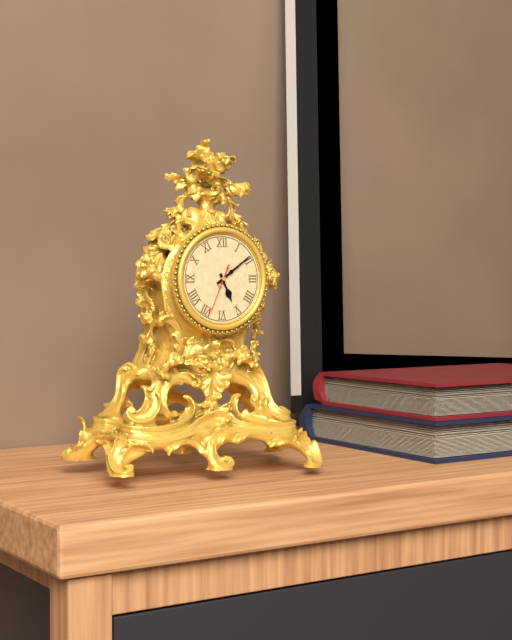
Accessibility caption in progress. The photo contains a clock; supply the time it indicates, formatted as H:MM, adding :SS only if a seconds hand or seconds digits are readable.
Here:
5:09
